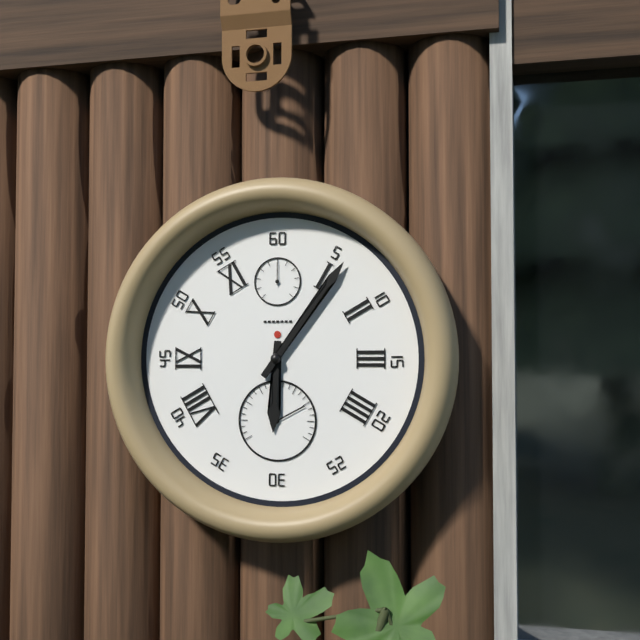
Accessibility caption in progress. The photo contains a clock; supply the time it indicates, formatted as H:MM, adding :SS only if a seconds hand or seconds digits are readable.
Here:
6:06
